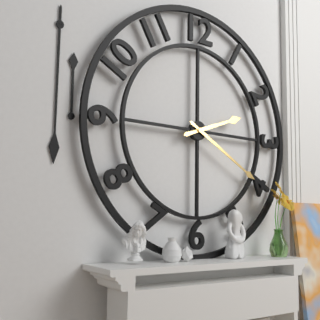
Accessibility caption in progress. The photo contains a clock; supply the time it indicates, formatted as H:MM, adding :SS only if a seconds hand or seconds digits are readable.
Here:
2:20
